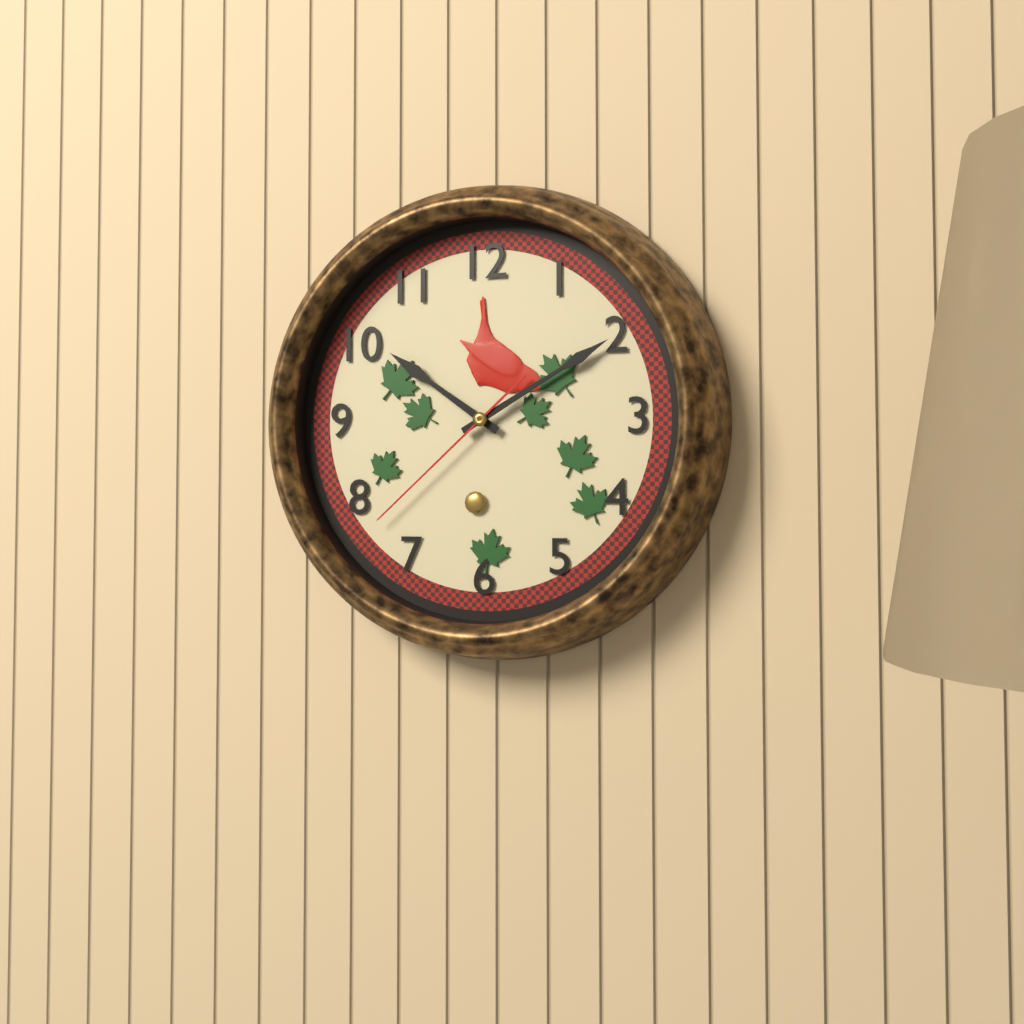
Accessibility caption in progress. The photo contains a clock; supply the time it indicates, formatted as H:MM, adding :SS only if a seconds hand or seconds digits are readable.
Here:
10:10:38
